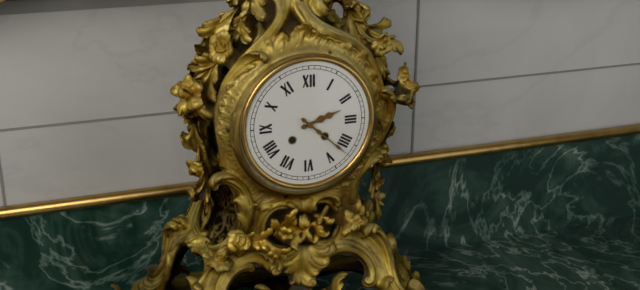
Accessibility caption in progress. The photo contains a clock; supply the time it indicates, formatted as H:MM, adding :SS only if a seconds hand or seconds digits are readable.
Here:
2:22
